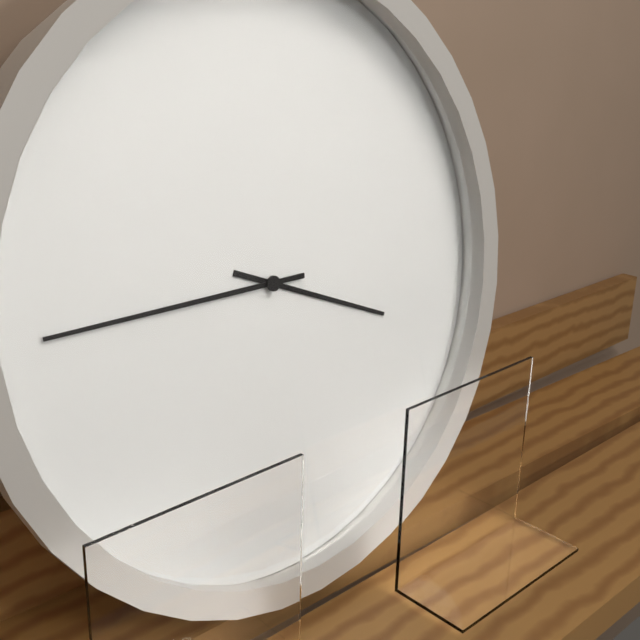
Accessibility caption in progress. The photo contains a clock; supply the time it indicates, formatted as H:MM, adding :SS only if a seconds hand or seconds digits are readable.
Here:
3:45
